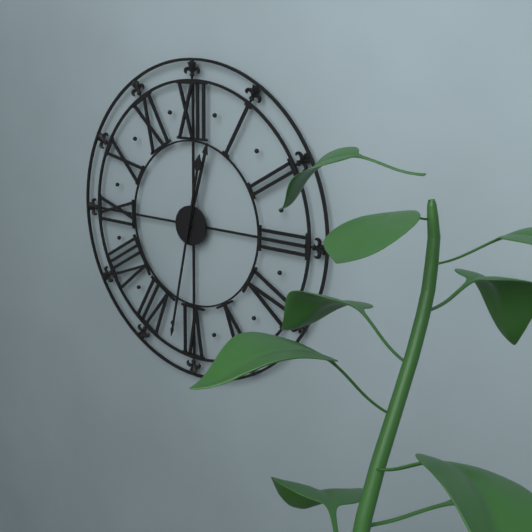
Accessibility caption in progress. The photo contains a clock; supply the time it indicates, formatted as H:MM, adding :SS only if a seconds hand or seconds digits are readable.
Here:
12:32
